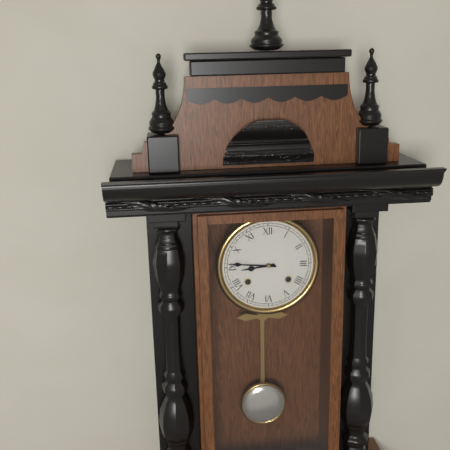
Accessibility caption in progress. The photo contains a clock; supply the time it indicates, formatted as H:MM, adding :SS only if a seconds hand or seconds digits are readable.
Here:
8:46
